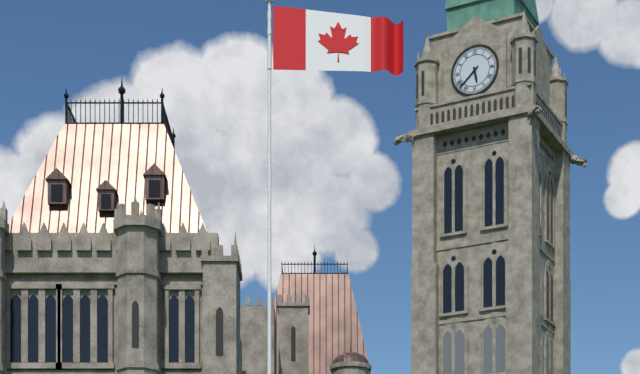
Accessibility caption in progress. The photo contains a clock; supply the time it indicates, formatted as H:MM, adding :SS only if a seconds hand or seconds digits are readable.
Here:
5:38
